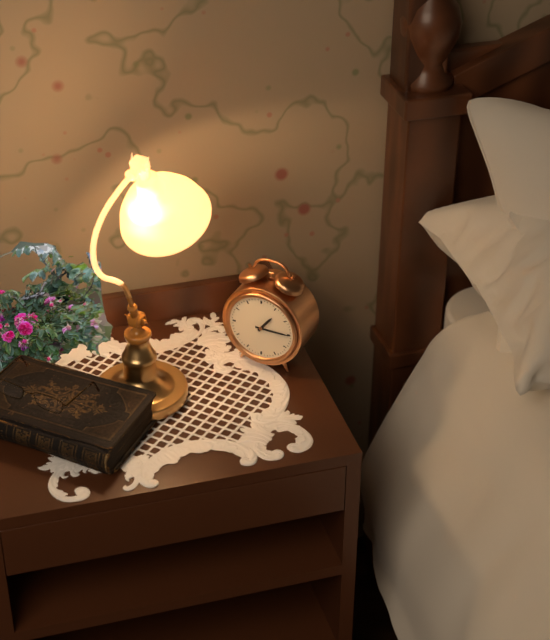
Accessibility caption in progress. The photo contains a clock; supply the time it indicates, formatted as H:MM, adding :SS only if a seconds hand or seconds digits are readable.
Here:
1:15
